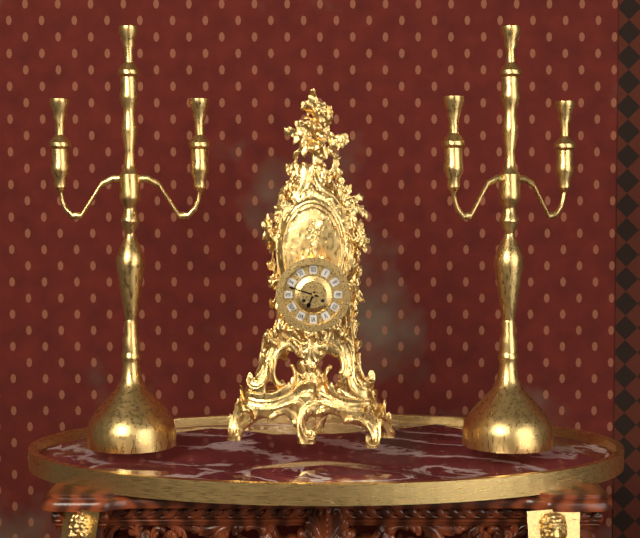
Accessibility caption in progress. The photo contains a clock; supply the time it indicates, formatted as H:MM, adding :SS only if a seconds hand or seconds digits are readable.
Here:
6:48
